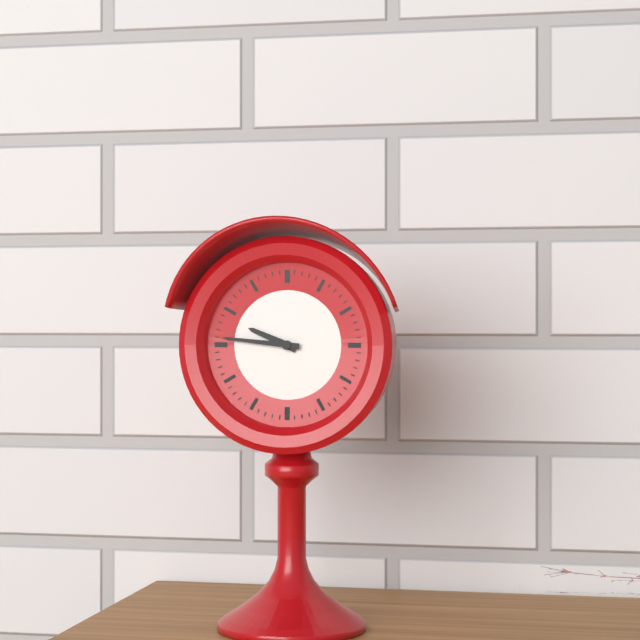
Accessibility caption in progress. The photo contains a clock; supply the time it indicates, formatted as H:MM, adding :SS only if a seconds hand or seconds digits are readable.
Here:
9:46
